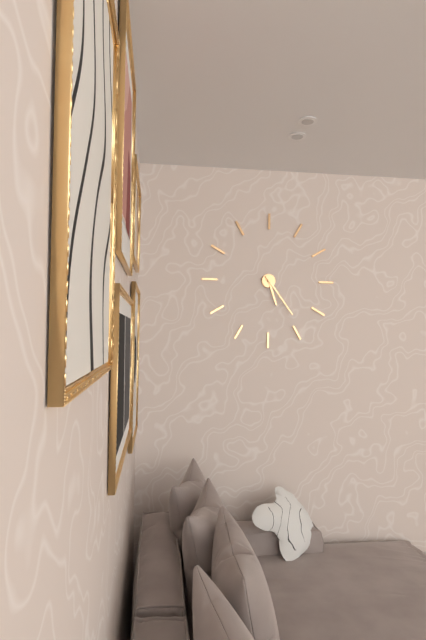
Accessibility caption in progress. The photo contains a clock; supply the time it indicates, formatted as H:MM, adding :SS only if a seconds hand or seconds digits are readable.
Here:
5:24
